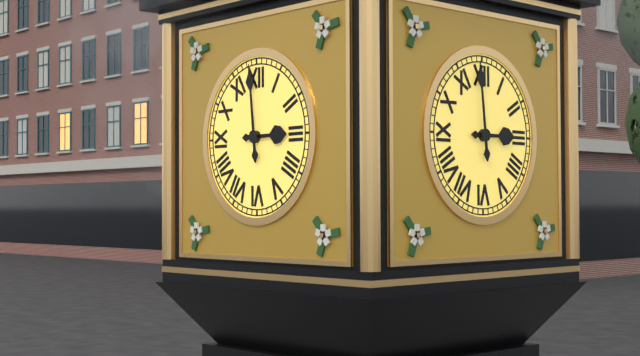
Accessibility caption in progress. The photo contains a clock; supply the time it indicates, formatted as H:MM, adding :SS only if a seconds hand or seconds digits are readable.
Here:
2:59
